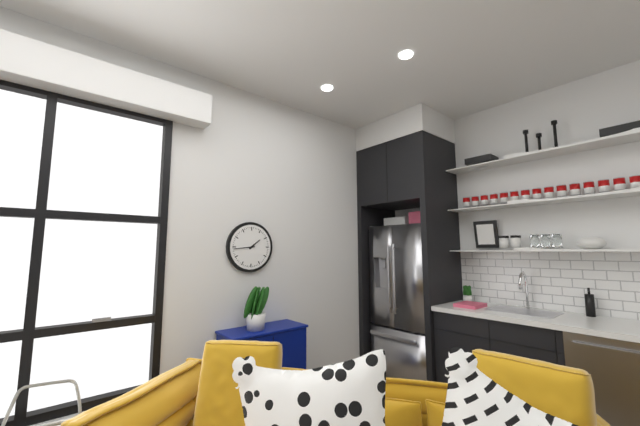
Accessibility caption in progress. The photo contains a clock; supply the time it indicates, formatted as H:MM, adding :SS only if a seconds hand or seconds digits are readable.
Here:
1:44
